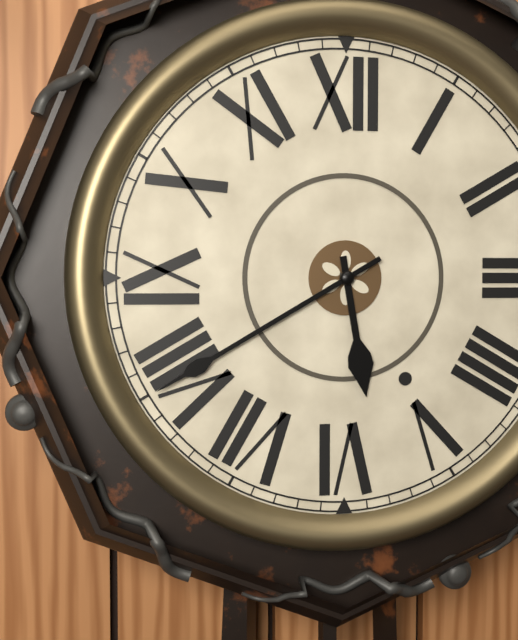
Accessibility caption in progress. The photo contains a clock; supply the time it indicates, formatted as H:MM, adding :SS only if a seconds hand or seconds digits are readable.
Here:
5:40
